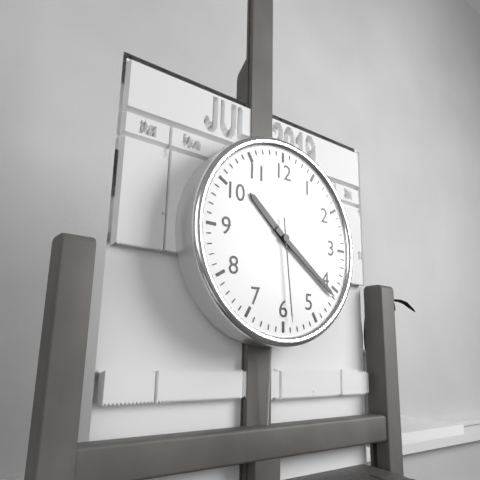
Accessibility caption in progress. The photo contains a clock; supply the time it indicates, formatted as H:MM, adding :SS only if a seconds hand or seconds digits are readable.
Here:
10:21:29
